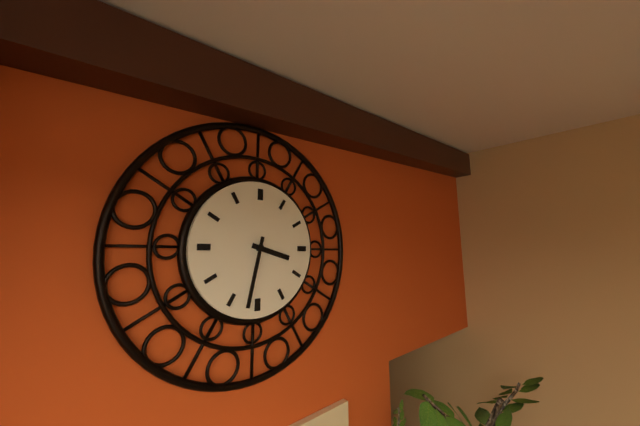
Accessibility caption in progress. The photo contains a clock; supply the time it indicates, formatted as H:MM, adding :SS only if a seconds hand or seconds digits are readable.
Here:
3:32
